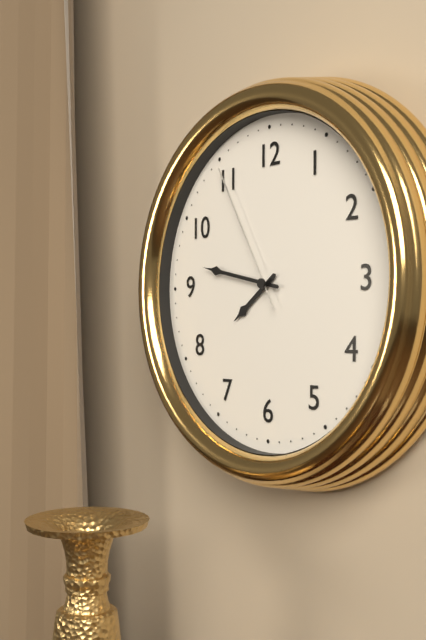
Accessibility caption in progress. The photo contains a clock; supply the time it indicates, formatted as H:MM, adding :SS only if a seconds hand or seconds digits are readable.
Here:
7:47:55
